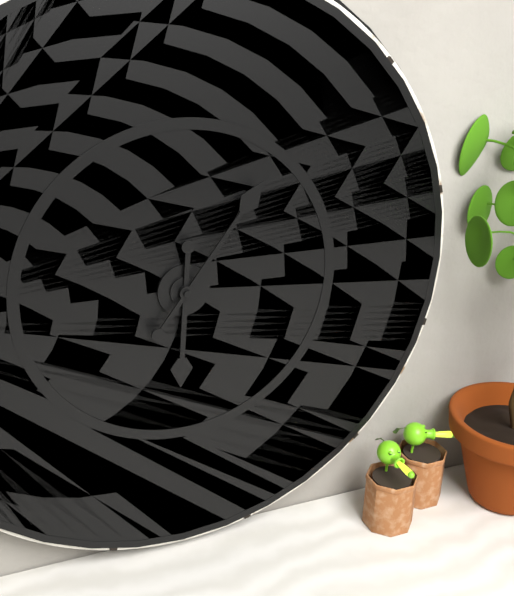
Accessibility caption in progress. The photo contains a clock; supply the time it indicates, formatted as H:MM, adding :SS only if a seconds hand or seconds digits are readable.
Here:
6:06
